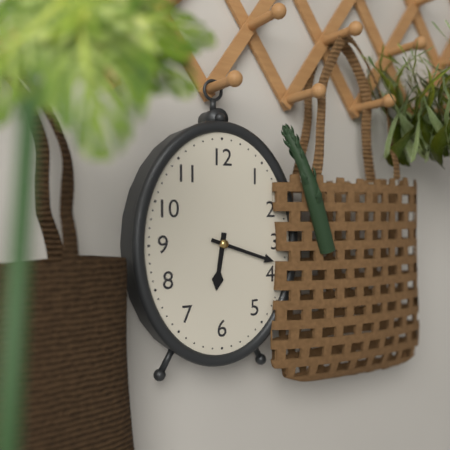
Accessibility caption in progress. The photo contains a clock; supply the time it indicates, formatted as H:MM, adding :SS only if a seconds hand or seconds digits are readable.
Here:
6:18
